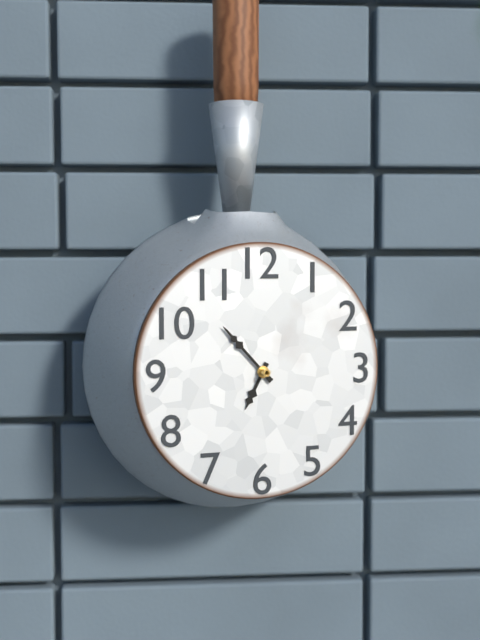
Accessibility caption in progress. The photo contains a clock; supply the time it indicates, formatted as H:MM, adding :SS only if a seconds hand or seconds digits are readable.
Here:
6:53
